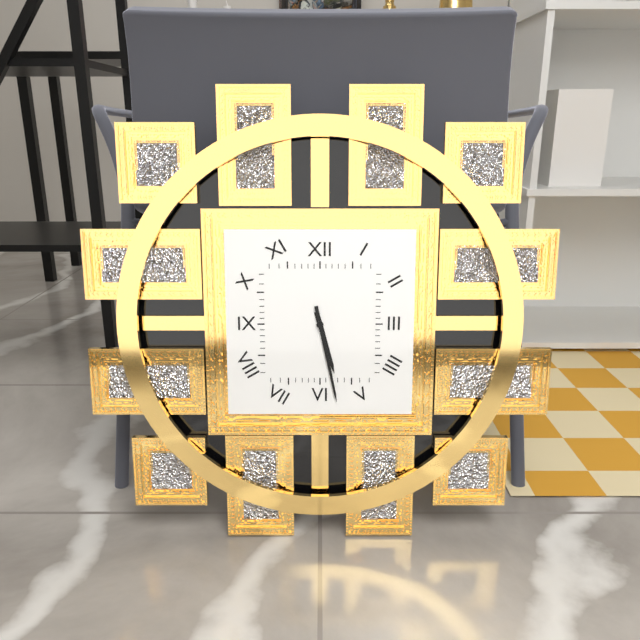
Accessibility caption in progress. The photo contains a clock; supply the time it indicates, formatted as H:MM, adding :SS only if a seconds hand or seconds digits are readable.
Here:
5:28
